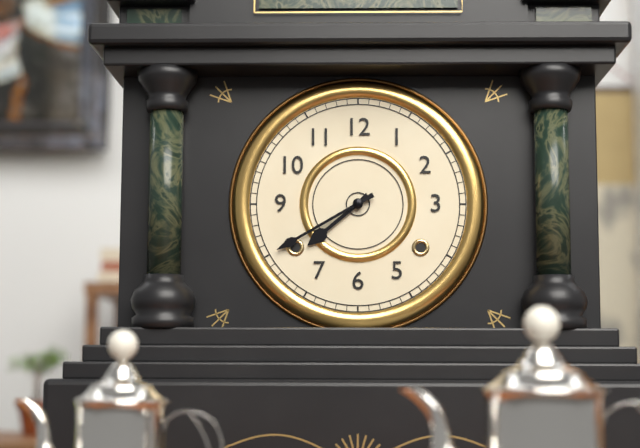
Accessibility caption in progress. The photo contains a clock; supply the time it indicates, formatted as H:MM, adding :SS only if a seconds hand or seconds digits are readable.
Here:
7:40
